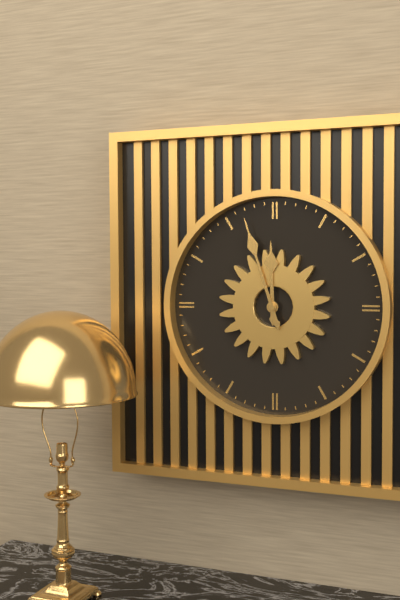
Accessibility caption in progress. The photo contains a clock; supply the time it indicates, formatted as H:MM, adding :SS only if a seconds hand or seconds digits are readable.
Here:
11:57
